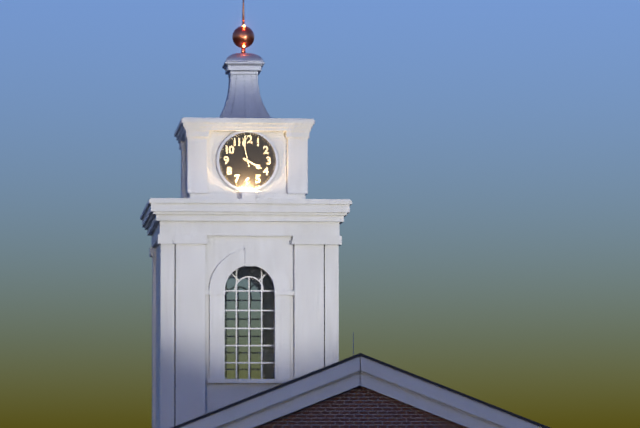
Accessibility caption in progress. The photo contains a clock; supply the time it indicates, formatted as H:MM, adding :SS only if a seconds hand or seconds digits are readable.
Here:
3:58
